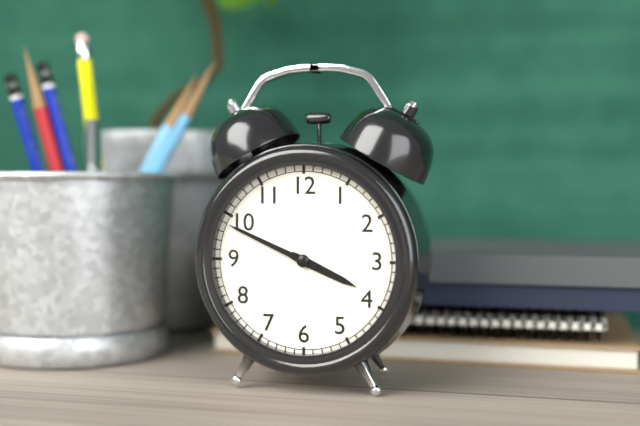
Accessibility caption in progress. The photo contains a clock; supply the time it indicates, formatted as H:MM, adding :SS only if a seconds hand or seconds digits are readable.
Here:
3:49
